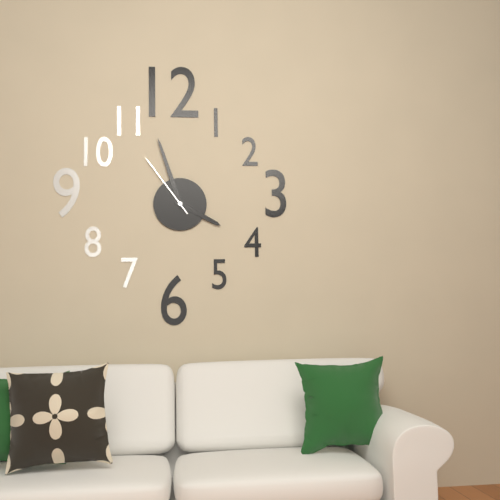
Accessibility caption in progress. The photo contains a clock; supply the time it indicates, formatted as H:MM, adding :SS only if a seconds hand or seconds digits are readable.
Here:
3:57:54
